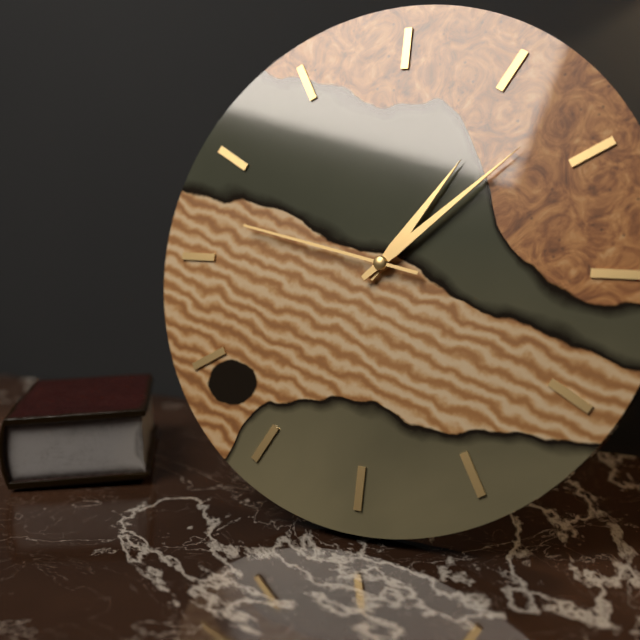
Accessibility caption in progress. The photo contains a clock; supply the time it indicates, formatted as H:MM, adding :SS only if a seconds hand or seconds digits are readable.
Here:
1:08:47
